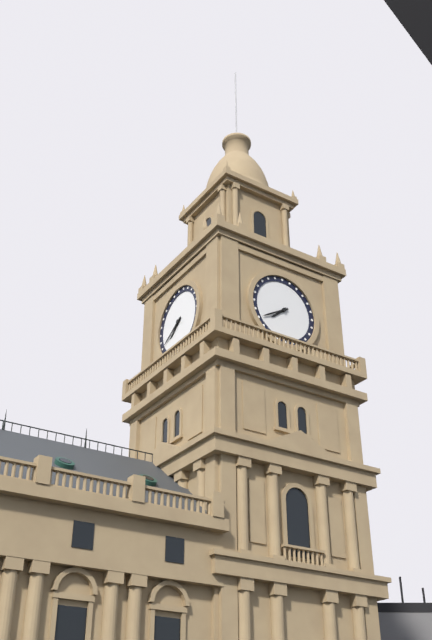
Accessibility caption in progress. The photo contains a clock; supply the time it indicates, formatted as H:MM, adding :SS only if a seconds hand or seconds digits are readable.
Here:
7:40
